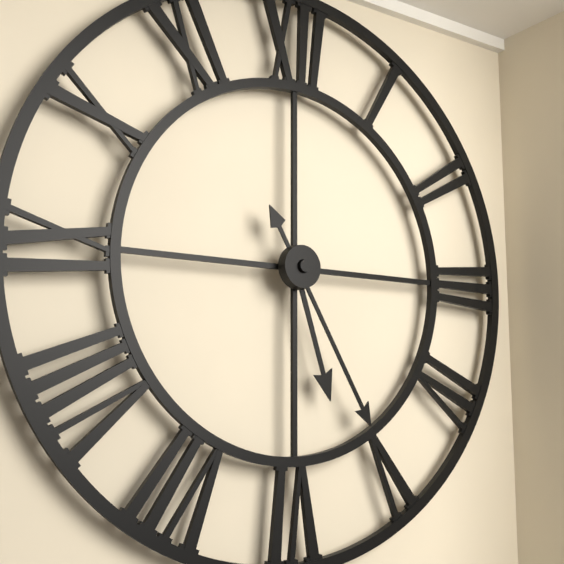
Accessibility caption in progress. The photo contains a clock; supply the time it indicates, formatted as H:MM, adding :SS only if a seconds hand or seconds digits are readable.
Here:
5:25
